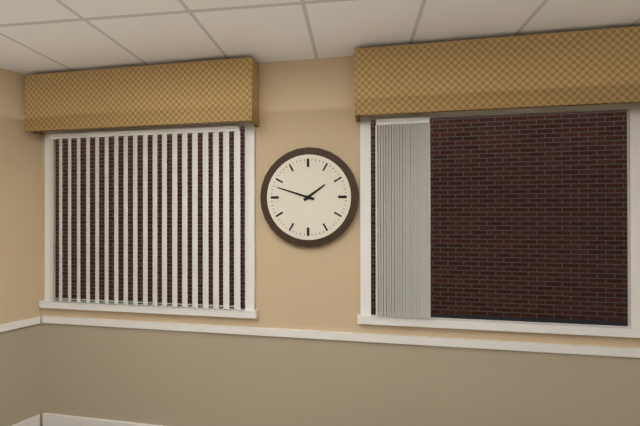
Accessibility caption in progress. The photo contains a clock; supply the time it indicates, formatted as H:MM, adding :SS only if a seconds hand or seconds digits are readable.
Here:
1:48
